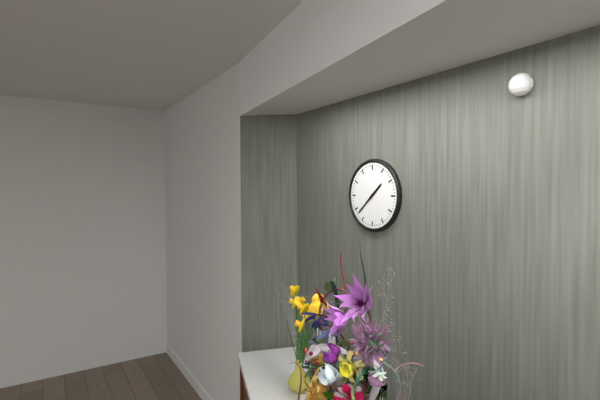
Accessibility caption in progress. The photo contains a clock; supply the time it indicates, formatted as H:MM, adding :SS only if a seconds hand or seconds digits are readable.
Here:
1:38
